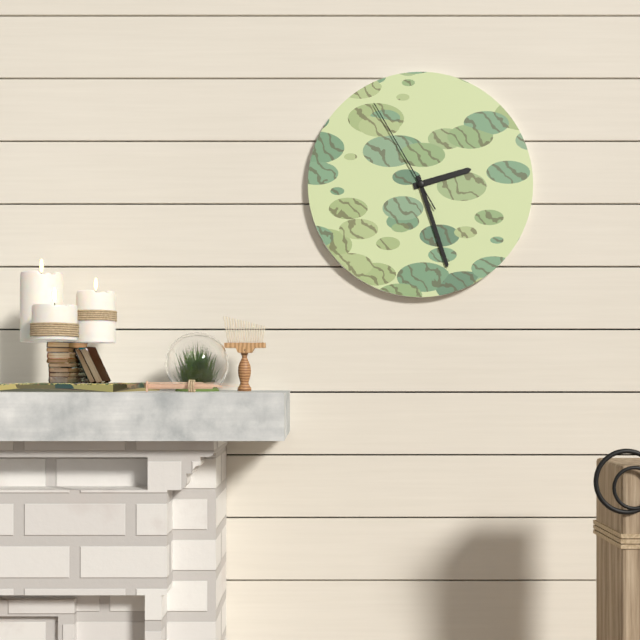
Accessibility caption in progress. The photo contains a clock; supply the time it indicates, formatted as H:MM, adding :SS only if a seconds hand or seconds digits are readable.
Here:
2:27:55
